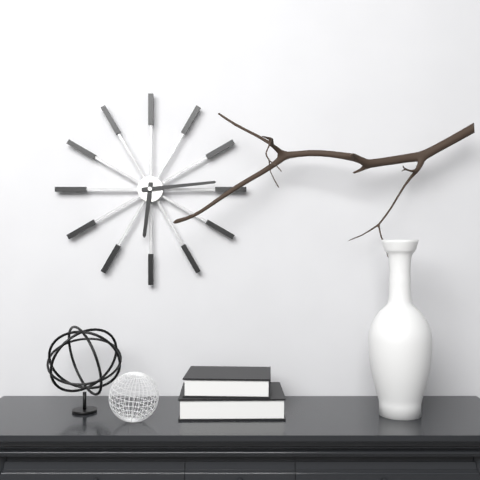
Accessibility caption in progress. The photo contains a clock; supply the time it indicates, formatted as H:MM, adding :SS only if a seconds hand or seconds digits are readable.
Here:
6:14
